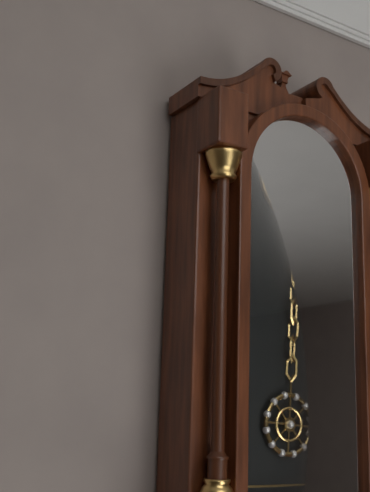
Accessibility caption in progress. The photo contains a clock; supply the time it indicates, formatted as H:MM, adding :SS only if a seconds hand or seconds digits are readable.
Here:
6:59
